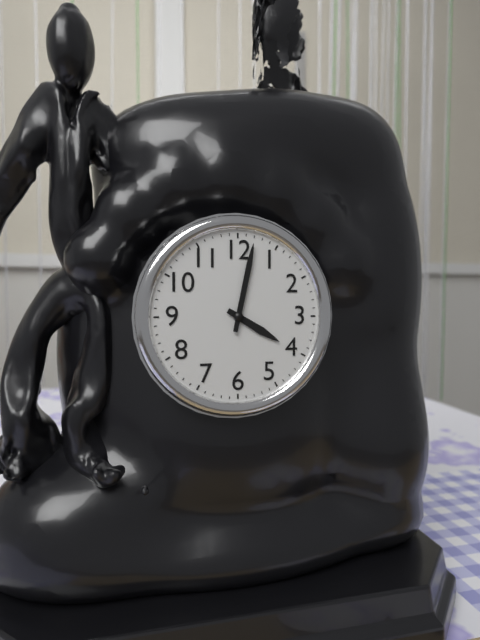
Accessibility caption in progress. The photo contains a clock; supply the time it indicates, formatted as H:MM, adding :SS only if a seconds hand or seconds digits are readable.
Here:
4:02
